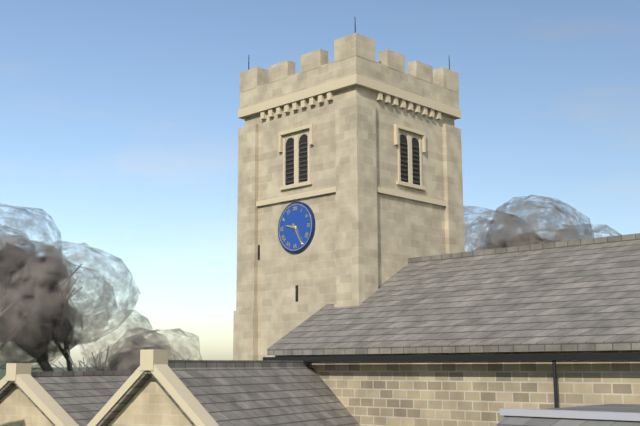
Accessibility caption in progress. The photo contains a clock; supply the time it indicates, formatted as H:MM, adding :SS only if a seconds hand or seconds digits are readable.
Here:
9:25
